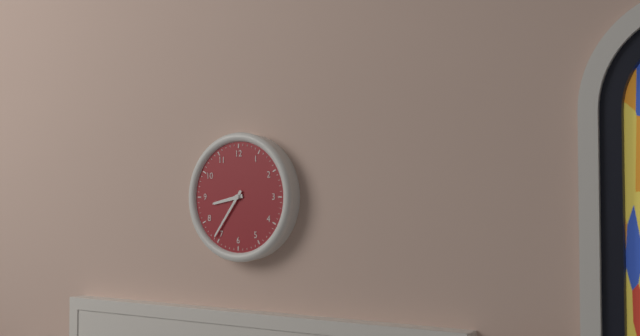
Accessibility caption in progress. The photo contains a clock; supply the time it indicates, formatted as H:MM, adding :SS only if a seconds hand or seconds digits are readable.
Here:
8:36
